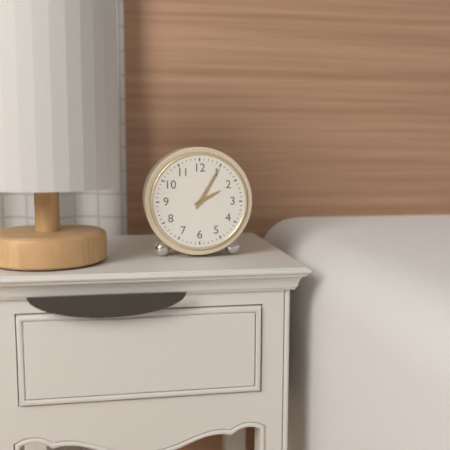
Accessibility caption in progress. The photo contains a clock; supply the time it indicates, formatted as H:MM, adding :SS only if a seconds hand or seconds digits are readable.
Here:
2:05
